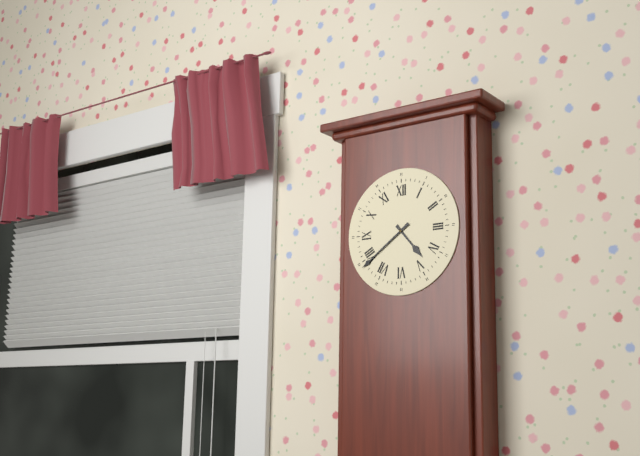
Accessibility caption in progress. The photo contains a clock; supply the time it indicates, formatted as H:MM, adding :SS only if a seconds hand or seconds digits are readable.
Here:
4:39
